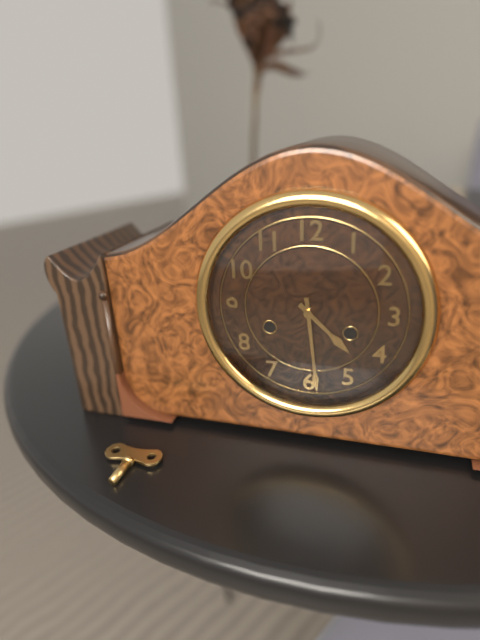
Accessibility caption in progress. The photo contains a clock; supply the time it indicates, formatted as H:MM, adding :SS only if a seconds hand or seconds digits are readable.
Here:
4:29
